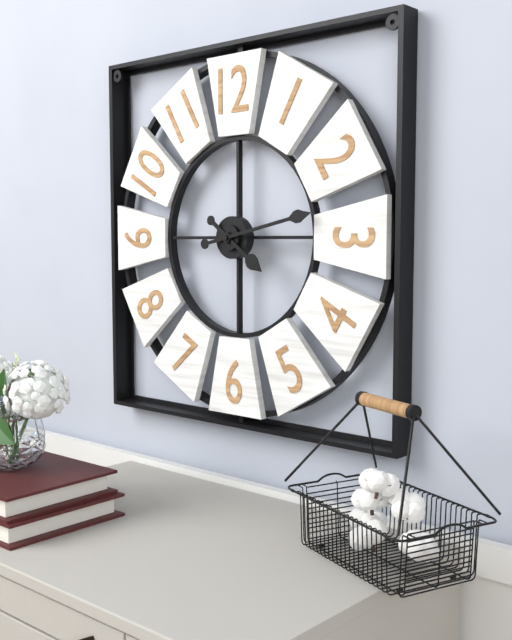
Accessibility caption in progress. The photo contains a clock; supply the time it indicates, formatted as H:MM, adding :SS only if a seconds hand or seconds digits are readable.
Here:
4:13
